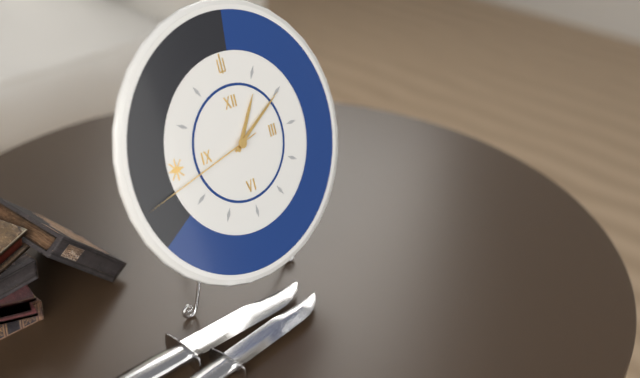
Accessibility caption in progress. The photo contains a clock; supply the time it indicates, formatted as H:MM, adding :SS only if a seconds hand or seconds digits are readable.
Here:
1:10:43
